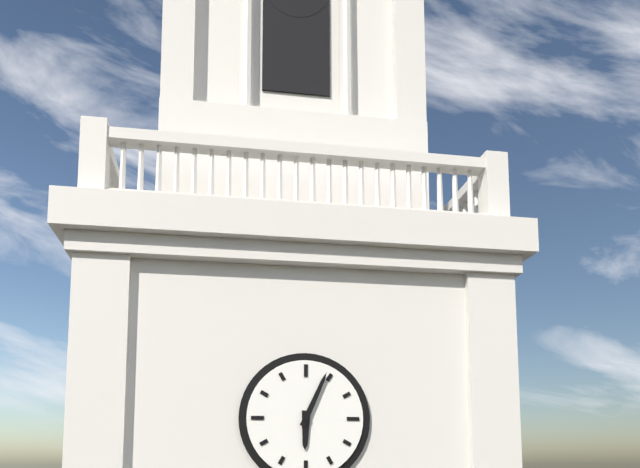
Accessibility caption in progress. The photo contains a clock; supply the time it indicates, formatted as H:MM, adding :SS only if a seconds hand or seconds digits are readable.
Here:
6:04
